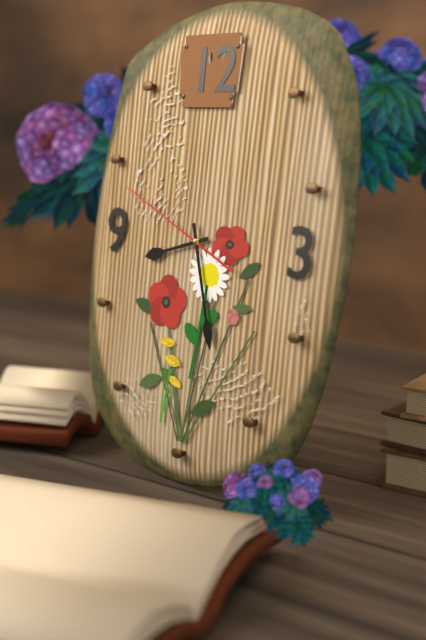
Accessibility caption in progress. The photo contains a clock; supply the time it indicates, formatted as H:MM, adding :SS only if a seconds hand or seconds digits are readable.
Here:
8:27:49
